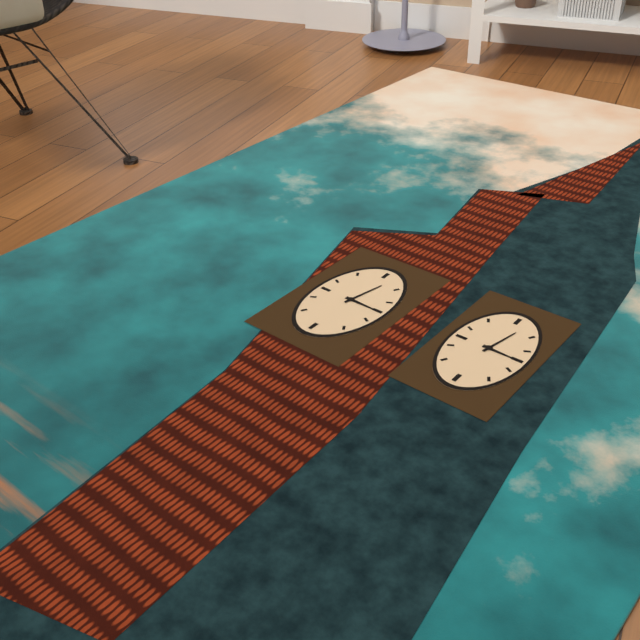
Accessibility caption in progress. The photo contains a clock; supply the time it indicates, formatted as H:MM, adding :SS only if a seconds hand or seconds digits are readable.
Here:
3:02
